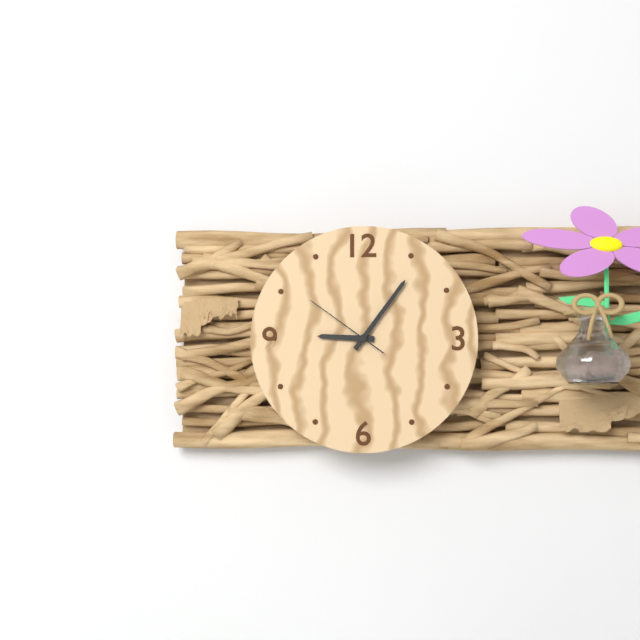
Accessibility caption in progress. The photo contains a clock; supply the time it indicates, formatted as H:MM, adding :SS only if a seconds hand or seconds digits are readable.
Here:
9:06:51
